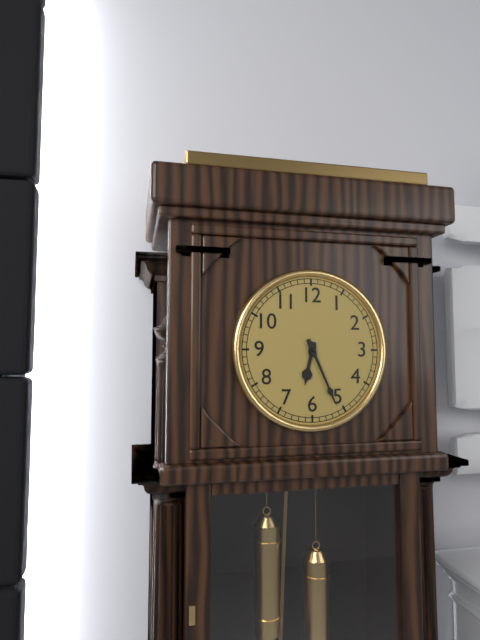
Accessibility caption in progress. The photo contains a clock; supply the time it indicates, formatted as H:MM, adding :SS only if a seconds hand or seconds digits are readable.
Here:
6:26
